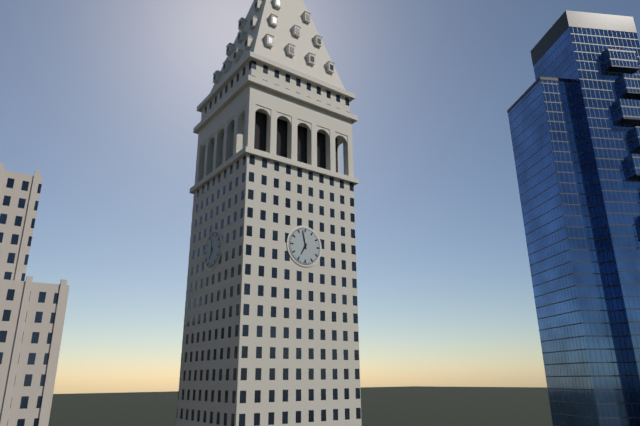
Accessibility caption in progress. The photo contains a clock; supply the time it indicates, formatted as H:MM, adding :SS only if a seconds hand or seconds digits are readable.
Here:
6:58
